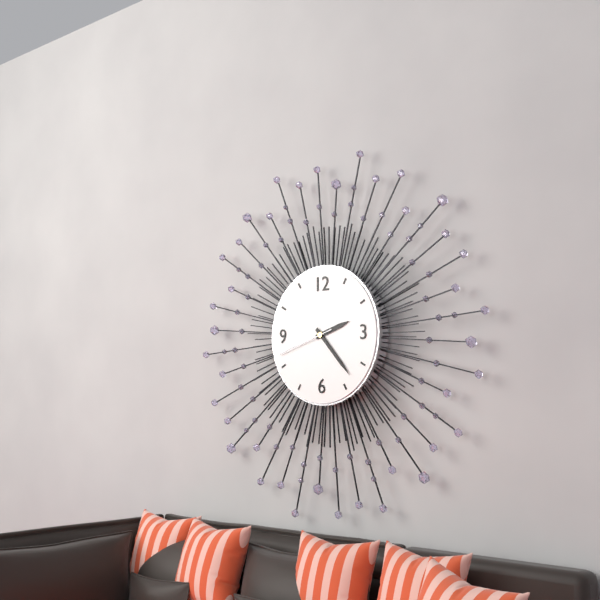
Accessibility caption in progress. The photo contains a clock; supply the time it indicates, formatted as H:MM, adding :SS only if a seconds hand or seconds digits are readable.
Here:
2:23:42
